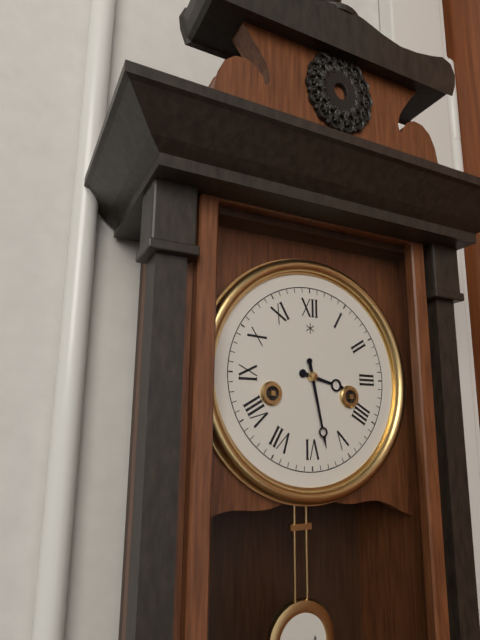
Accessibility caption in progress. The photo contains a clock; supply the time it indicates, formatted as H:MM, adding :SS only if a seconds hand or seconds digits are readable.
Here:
3:28
